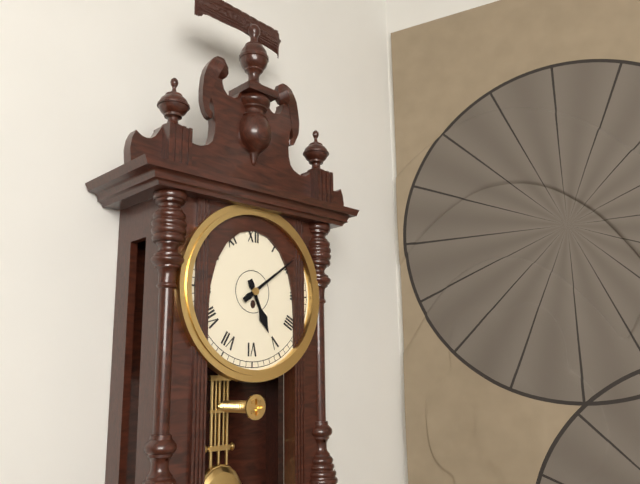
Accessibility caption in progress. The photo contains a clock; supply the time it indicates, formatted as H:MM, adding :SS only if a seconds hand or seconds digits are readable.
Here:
5:09
